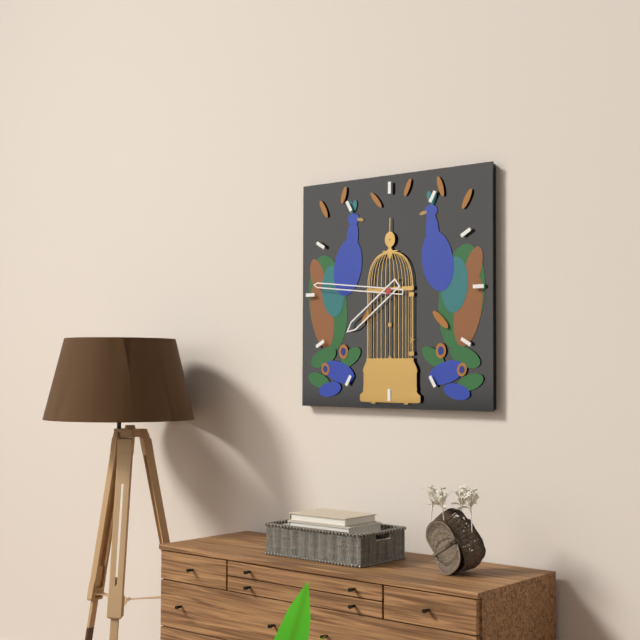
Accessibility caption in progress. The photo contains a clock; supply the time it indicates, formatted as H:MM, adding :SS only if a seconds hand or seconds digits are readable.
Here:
7:46
